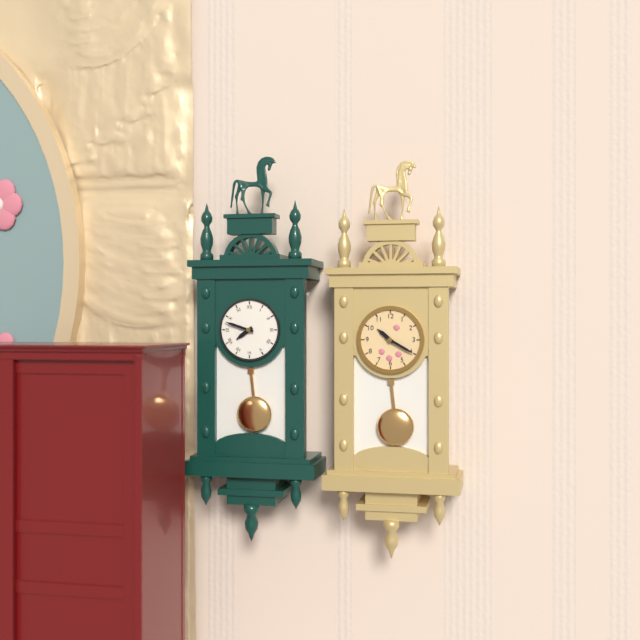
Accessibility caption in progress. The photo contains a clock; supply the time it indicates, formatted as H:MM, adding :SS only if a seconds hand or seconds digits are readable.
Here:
7:48
